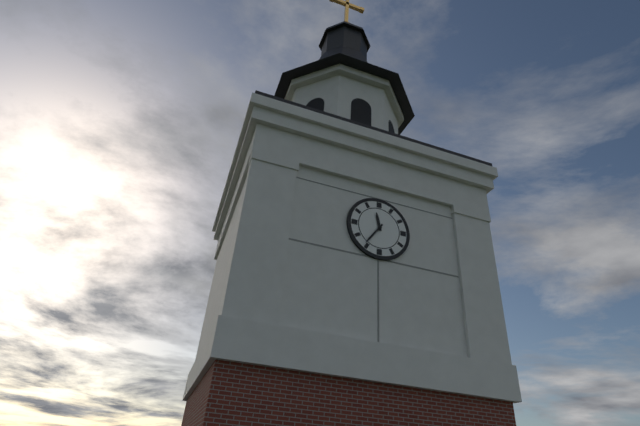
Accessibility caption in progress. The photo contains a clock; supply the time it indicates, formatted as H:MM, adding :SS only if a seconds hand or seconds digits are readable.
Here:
11:36
